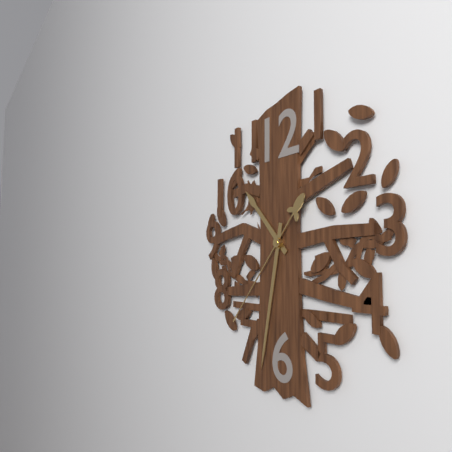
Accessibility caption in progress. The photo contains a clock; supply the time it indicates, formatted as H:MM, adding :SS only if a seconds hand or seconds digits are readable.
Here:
10:32:37
